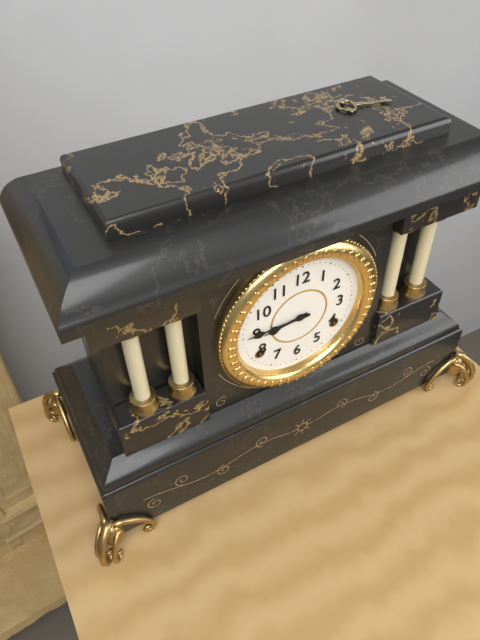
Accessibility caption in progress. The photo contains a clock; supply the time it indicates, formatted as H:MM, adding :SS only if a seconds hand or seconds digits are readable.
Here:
8:45
